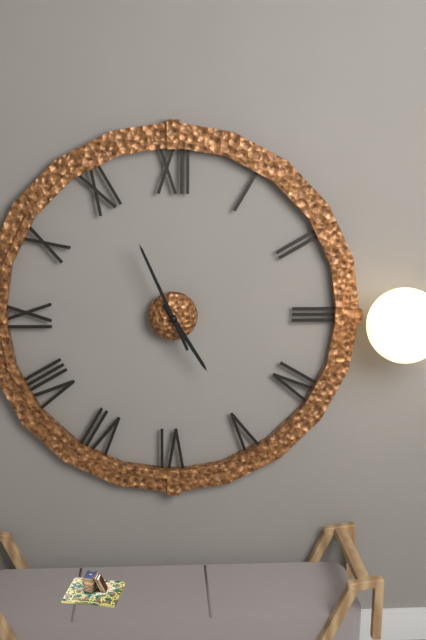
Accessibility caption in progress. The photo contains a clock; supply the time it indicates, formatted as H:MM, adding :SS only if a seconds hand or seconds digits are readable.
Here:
4:56
